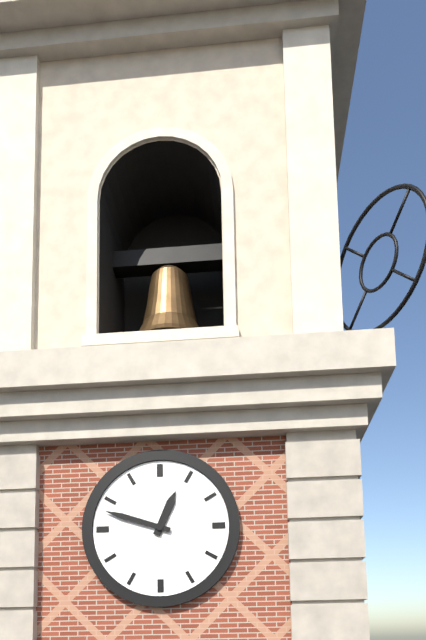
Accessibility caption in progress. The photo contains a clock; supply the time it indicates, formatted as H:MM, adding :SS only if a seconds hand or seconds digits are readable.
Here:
12:48
